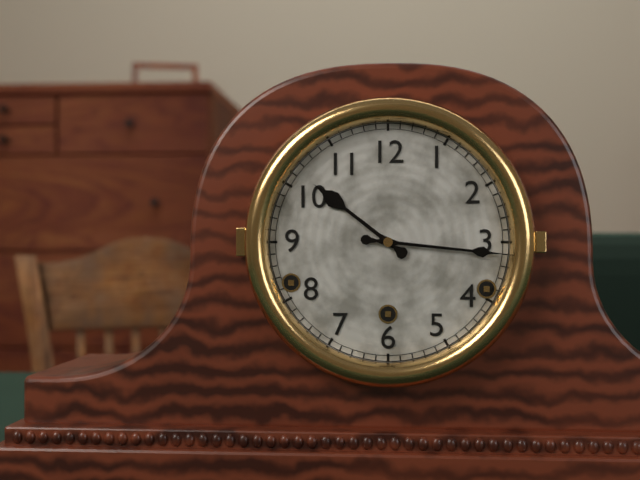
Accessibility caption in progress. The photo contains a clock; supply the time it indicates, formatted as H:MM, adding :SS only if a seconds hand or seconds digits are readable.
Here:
10:16
